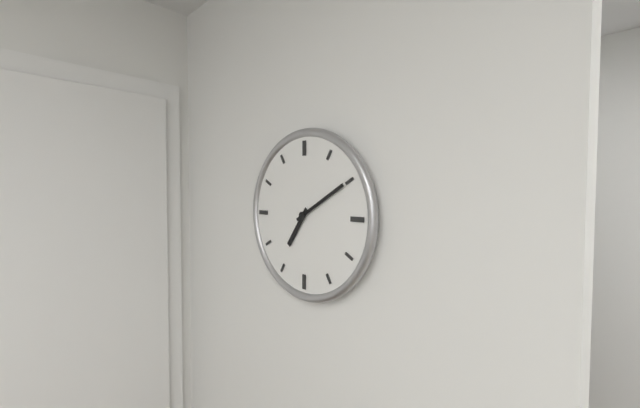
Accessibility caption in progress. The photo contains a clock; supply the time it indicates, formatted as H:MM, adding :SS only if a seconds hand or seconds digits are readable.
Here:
7:10
